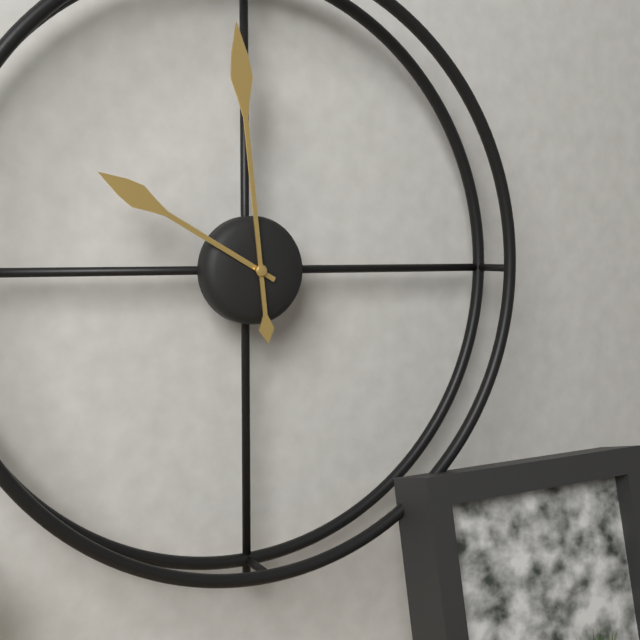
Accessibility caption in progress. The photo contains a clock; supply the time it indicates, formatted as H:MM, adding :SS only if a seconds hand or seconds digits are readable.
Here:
9:59
